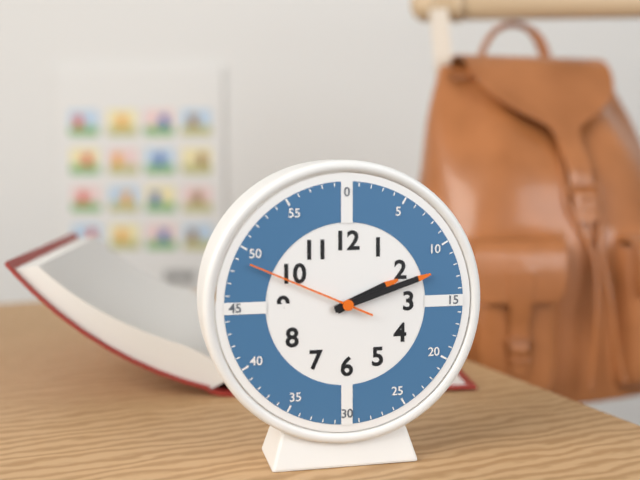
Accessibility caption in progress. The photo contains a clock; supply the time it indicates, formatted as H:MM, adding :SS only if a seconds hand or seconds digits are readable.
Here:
2:12:49
